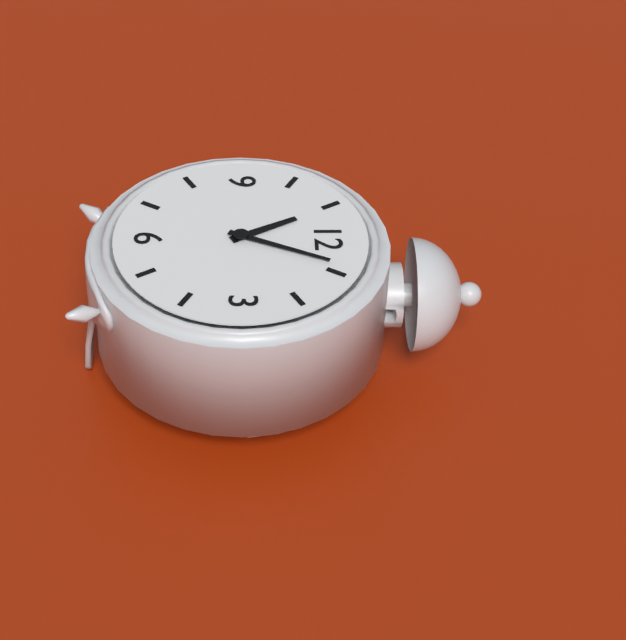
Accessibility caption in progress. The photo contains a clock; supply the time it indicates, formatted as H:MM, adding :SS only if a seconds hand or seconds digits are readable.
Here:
11:04
